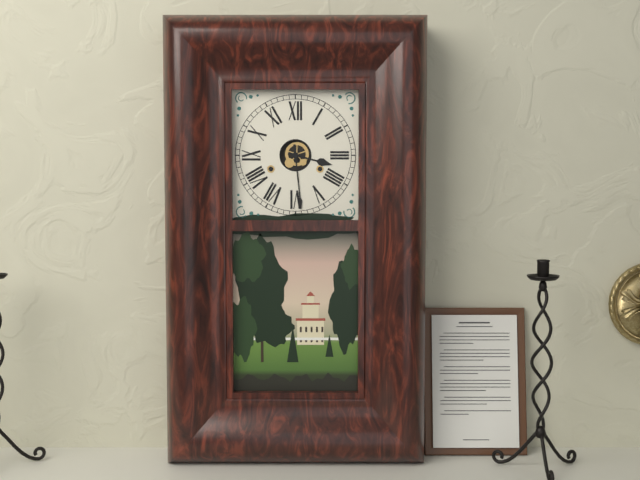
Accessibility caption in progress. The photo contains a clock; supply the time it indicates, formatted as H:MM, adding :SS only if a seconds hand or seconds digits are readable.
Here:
3:29
